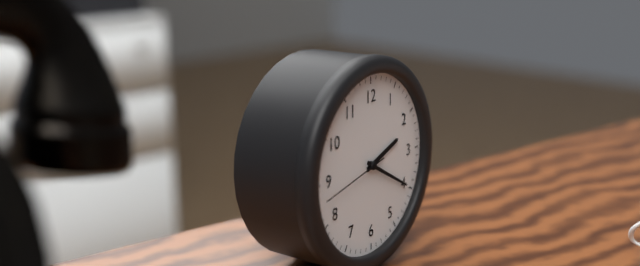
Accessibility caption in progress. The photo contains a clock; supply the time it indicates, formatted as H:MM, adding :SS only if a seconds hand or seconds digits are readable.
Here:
2:20:43
